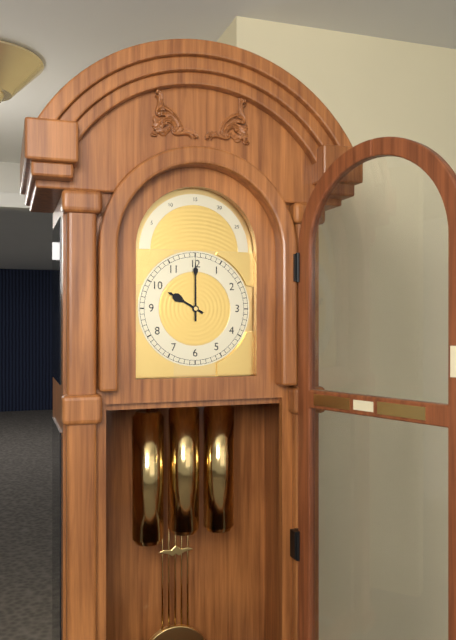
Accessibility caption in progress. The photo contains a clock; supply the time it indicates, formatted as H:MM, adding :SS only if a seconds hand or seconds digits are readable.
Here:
10:00
